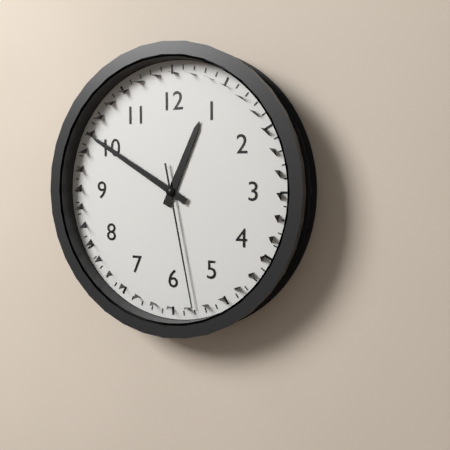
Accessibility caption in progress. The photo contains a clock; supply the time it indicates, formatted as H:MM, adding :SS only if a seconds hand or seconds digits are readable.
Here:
12:50:28
